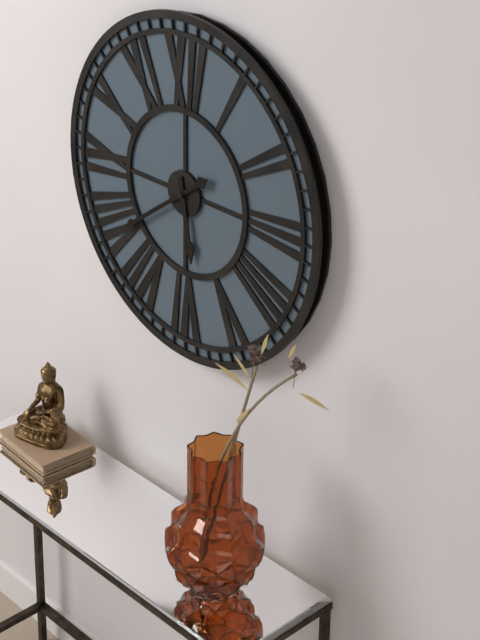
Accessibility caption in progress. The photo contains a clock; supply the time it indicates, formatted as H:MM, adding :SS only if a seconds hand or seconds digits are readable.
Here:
5:39
